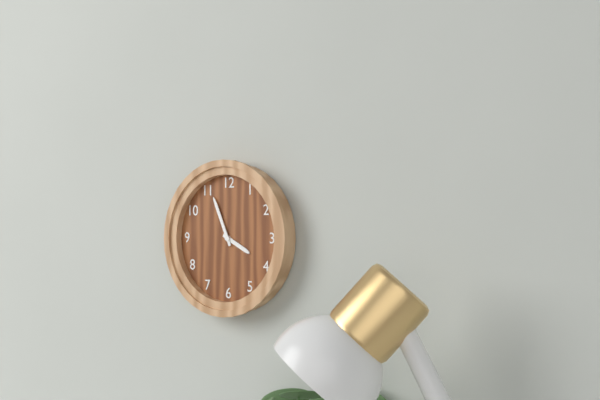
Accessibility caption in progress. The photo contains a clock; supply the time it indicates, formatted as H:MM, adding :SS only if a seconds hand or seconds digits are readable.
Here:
3:56
